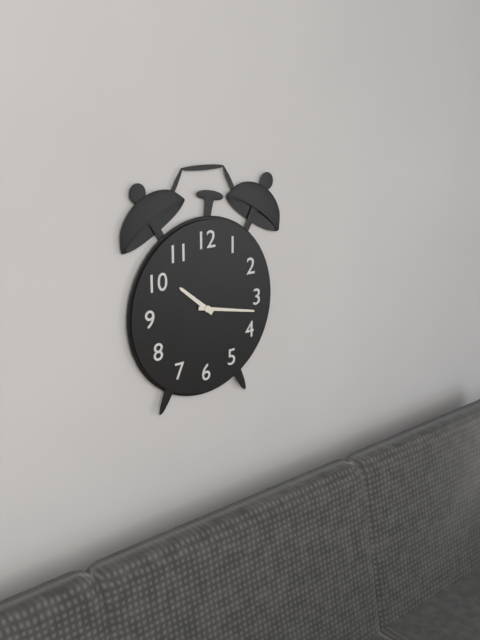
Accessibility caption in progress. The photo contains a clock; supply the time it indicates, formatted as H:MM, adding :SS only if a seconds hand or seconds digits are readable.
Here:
10:17
